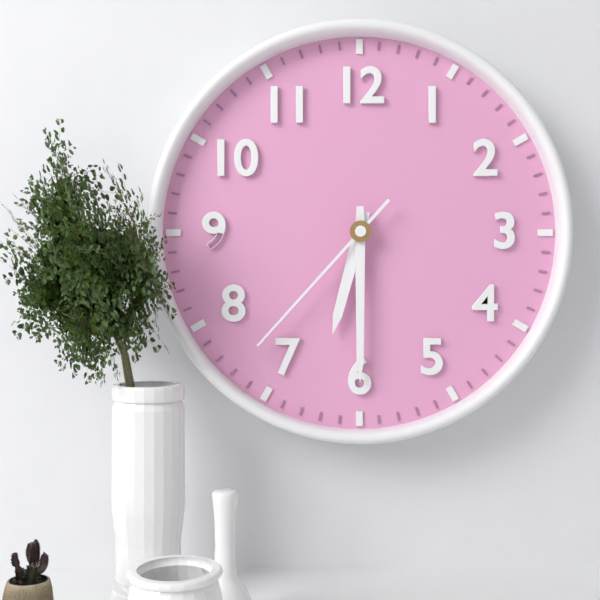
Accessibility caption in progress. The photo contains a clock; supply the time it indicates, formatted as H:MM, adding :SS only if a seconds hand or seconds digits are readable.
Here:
6:30:37
